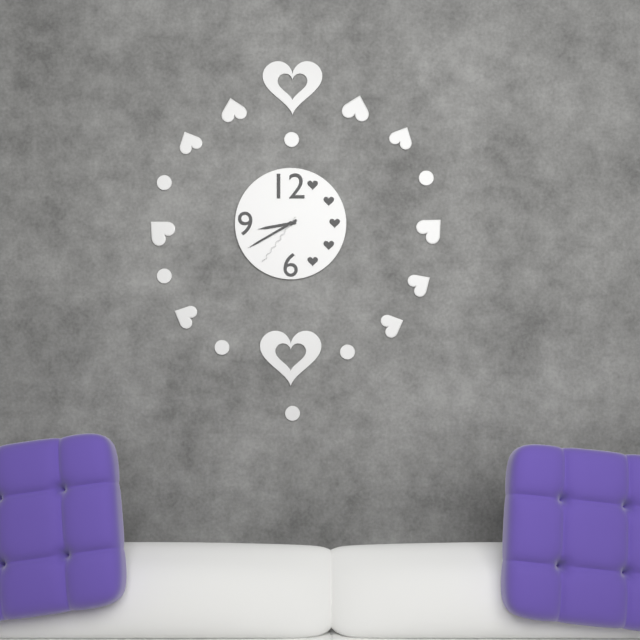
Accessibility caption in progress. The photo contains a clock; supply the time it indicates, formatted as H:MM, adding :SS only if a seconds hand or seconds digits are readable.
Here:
8:40:36
